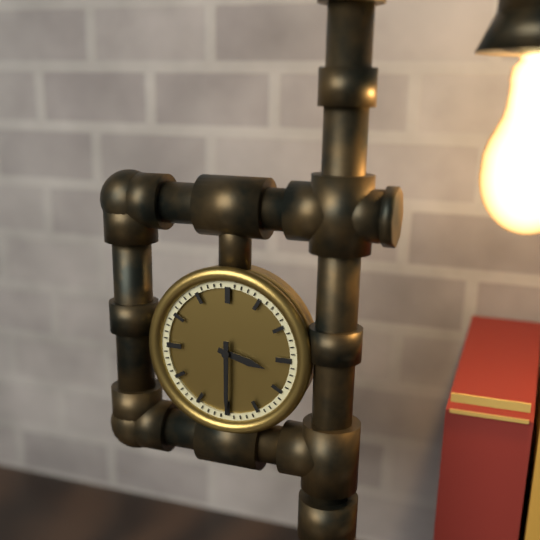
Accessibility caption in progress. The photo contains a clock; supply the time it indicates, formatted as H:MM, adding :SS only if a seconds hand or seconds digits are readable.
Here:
3:30
